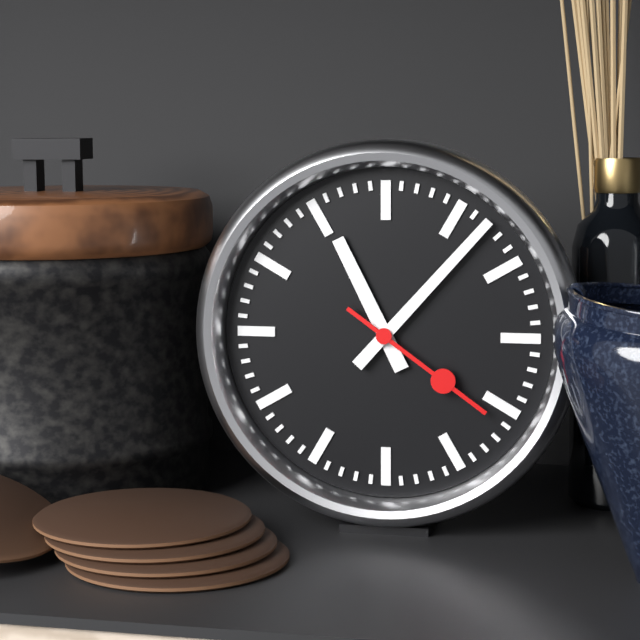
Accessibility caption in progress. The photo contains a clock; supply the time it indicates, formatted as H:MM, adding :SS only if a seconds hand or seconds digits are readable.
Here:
11:07:21
